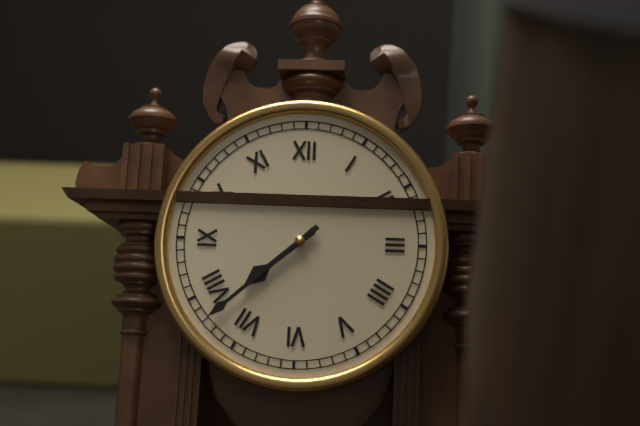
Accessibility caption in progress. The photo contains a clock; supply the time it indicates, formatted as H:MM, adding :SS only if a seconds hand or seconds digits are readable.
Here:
7:38
